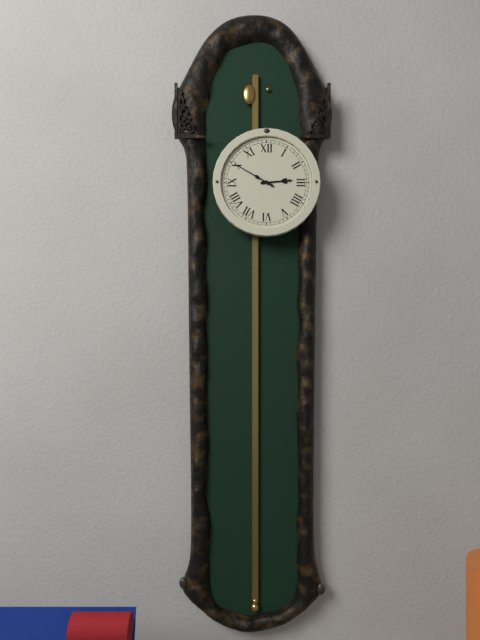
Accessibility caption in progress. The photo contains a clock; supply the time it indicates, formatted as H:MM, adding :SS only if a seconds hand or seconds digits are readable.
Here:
2:50
